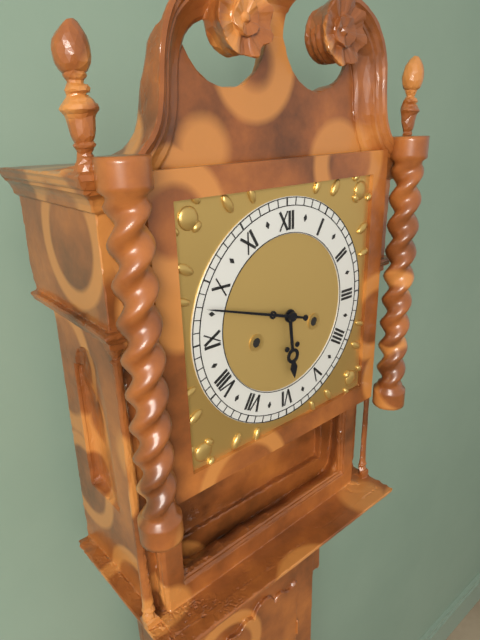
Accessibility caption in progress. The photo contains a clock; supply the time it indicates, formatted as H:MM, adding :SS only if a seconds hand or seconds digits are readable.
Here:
5:48
